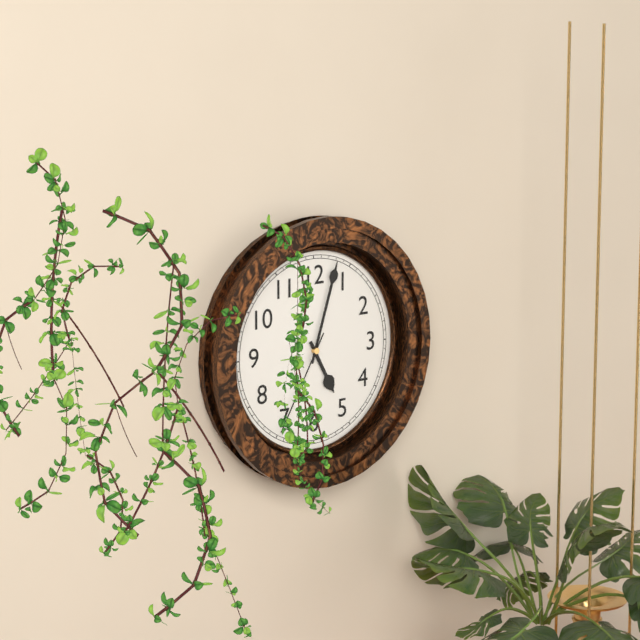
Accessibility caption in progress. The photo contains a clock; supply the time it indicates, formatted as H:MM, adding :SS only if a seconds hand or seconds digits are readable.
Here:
5:03:35
